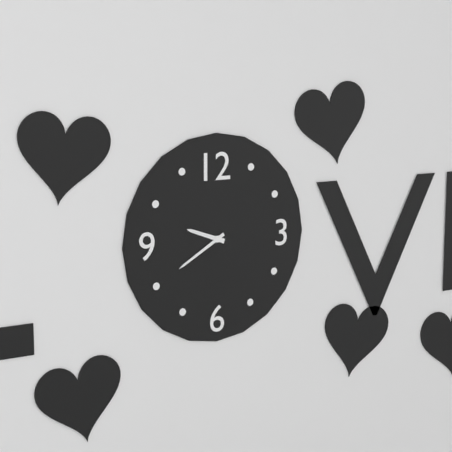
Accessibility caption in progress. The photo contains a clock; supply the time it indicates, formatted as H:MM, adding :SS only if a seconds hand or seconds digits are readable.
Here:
9:40
